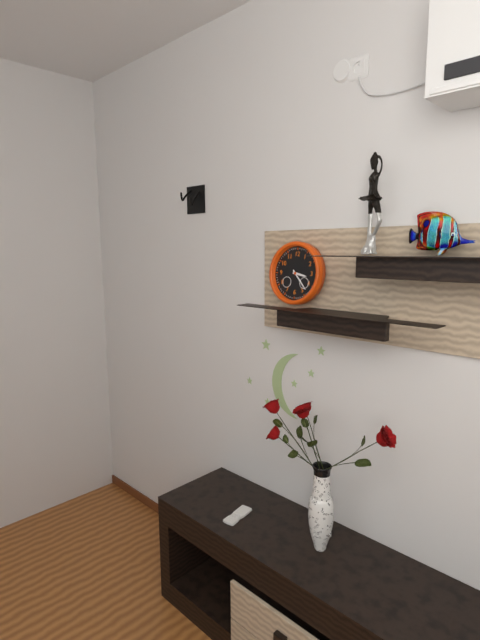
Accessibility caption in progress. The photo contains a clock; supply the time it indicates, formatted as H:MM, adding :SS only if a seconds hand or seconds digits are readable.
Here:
3:23
